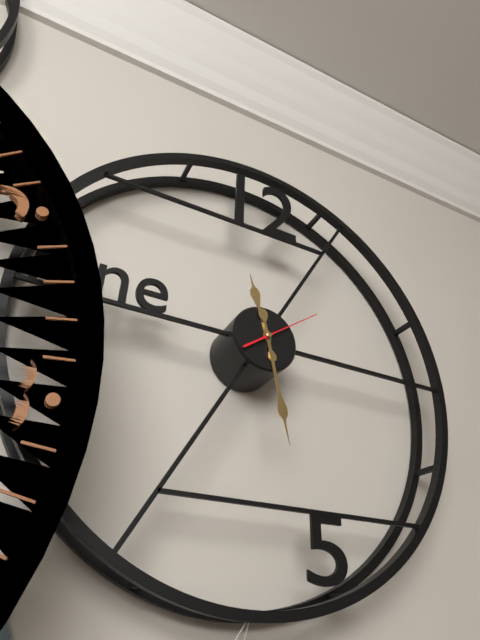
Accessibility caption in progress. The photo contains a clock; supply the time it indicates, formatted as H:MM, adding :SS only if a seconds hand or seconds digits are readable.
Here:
11:28:09
